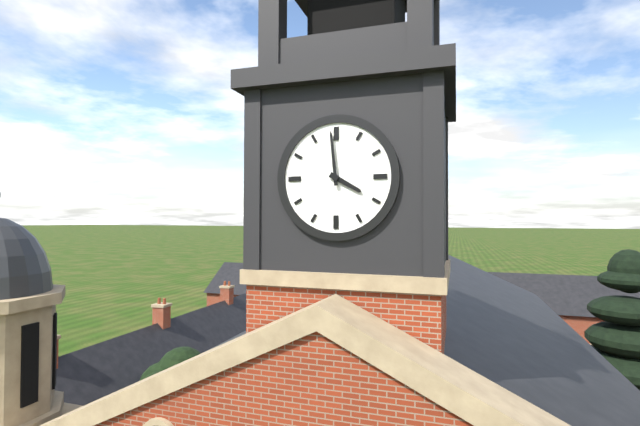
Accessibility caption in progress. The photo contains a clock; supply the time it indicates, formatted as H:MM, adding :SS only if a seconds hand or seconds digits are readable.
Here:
3:59
